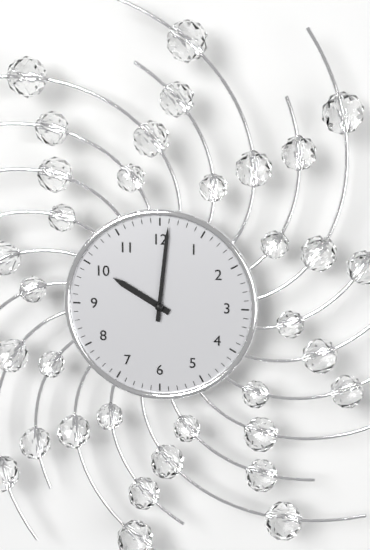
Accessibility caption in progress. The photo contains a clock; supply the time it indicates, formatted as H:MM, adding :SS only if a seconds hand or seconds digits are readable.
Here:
10:01
